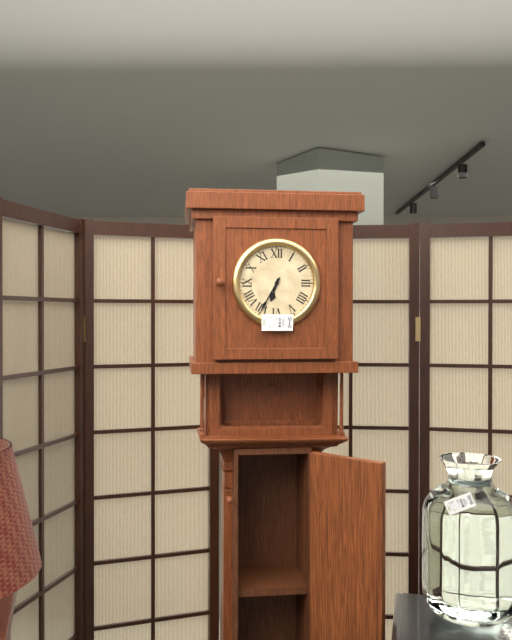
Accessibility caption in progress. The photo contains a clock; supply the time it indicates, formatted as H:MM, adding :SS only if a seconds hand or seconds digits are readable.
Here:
6:35
